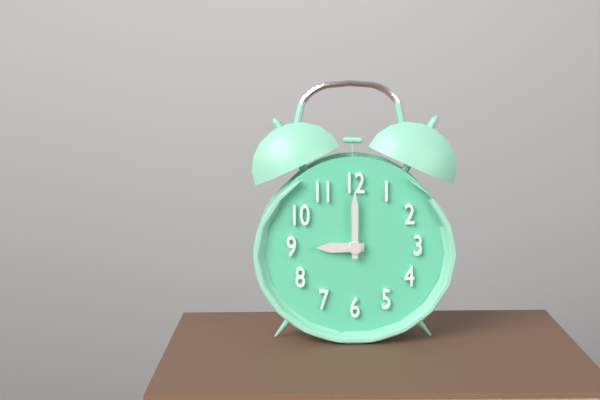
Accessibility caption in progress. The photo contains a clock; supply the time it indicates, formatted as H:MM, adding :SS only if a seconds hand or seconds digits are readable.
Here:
9:00
